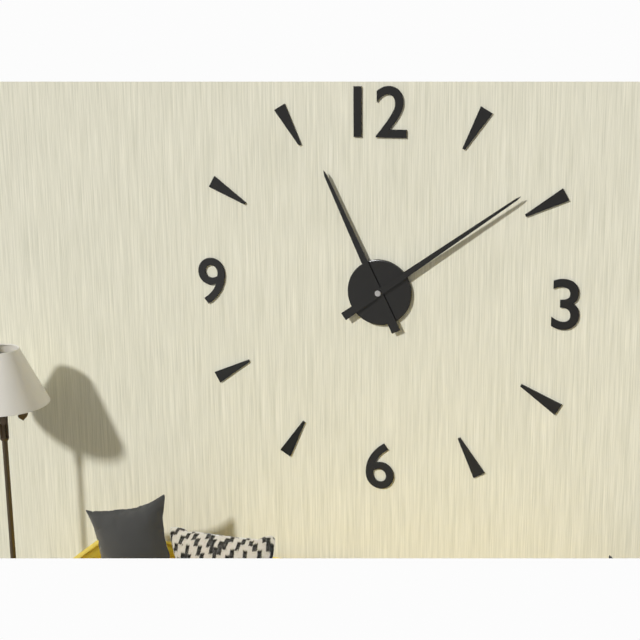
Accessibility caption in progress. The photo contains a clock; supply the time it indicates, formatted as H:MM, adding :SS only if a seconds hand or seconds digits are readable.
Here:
11:09
